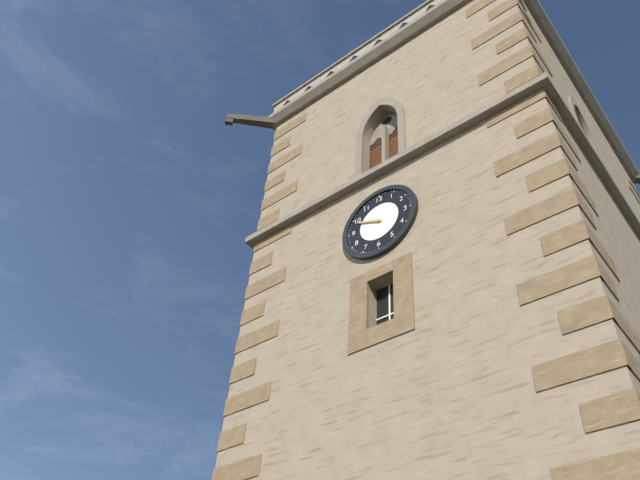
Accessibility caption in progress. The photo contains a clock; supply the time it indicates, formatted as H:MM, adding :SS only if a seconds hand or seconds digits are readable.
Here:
9:49
